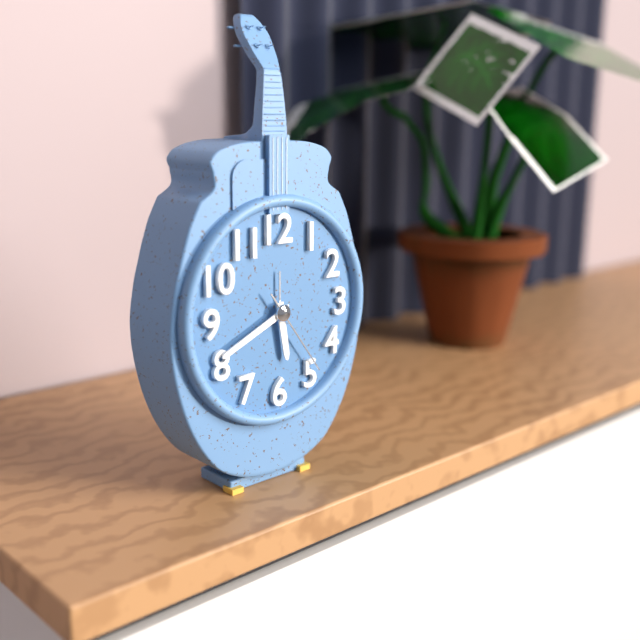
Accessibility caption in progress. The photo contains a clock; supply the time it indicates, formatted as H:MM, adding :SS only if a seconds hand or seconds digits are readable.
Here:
5:41:24
